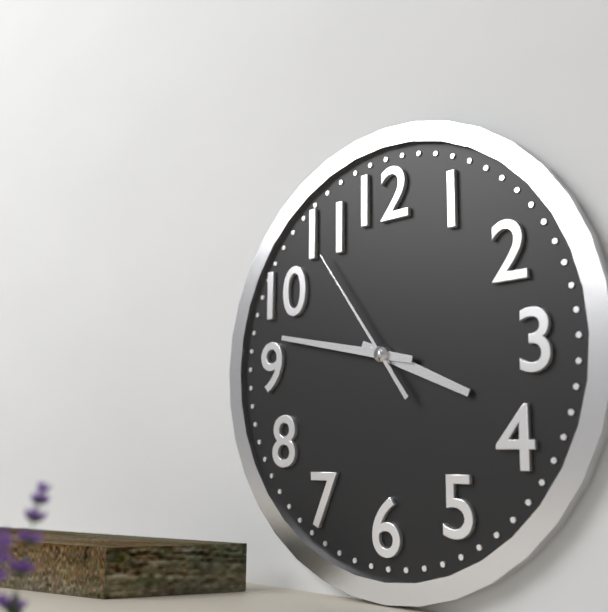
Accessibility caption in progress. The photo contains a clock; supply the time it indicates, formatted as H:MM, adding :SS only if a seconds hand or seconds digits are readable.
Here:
3:47:54
